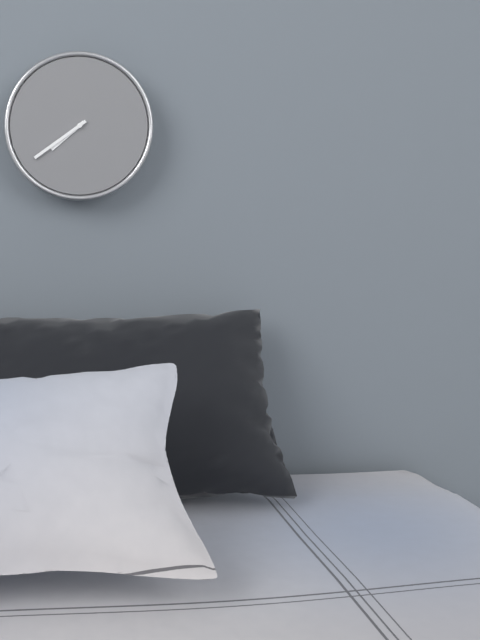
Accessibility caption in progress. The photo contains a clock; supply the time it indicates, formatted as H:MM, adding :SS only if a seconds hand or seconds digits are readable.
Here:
7:39
